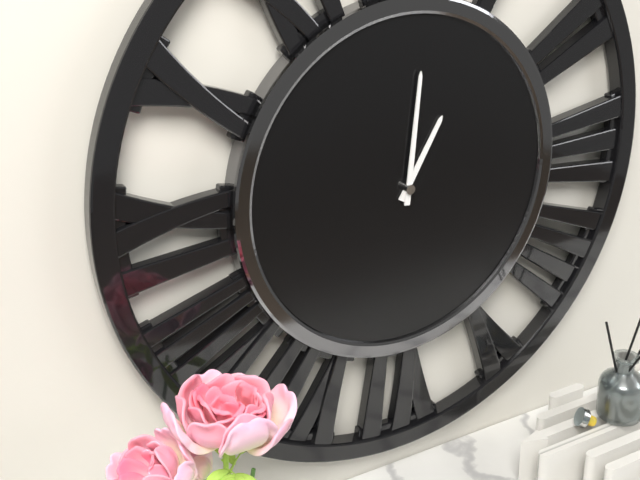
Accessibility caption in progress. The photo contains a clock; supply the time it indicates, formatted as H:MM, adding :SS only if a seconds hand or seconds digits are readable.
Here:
1:01
